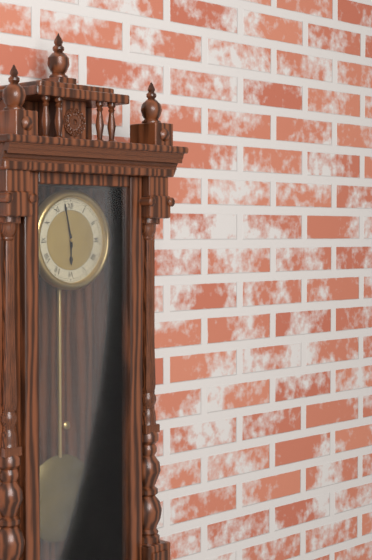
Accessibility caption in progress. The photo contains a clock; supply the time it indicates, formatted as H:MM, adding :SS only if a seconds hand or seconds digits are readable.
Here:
5:58
